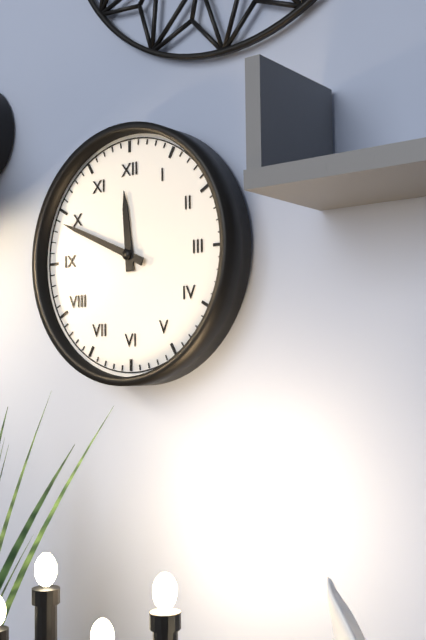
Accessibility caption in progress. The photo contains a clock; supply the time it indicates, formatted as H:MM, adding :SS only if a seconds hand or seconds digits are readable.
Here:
11:49
